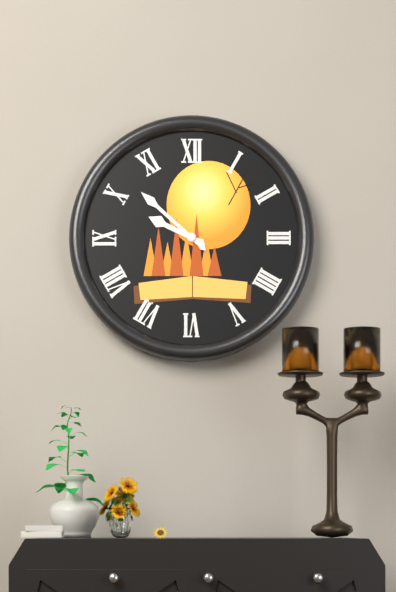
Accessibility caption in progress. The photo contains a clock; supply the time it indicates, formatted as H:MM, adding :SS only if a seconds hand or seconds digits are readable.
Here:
9:52
